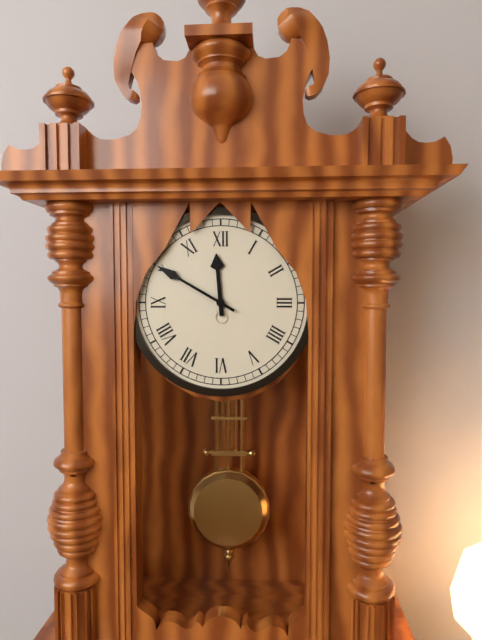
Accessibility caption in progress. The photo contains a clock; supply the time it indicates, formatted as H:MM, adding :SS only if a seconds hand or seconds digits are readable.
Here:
11:50
